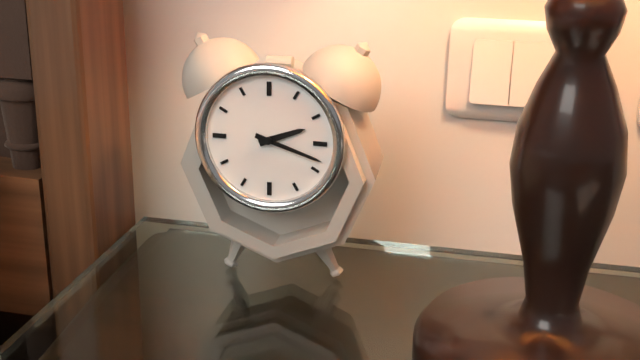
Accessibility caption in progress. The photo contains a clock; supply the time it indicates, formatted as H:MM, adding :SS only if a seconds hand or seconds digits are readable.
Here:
2:18
